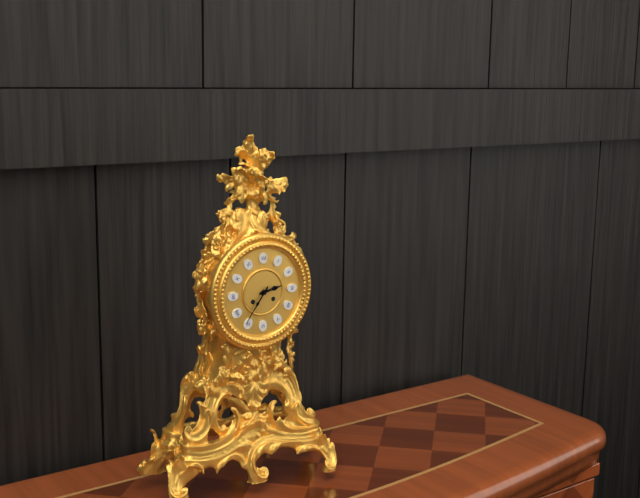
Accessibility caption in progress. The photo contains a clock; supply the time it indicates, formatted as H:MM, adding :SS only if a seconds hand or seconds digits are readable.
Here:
2:36
